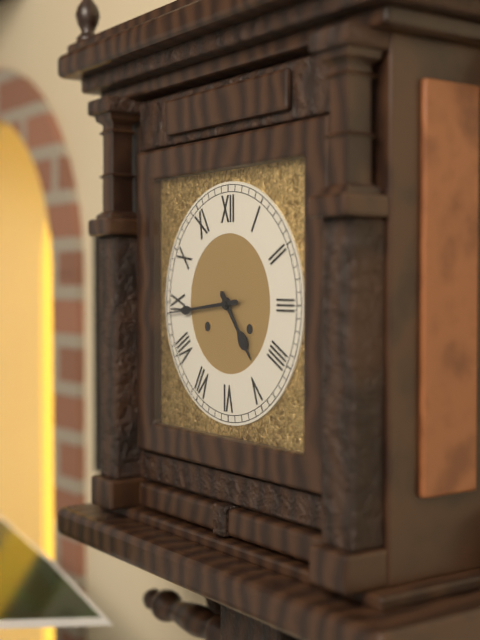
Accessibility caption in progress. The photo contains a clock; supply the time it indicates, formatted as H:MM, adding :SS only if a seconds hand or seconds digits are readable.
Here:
4:44
